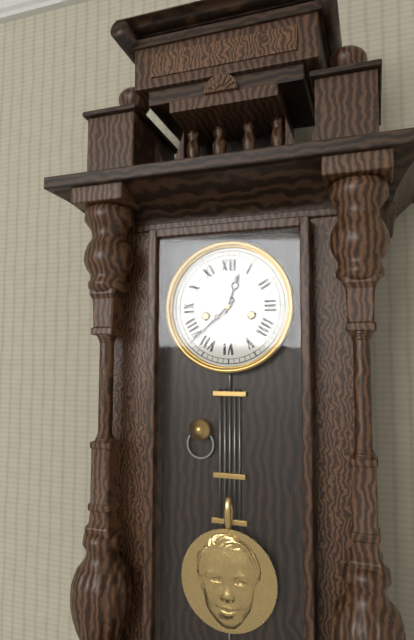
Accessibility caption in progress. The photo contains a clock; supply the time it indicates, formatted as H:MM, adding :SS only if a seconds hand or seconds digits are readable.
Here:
12:38
